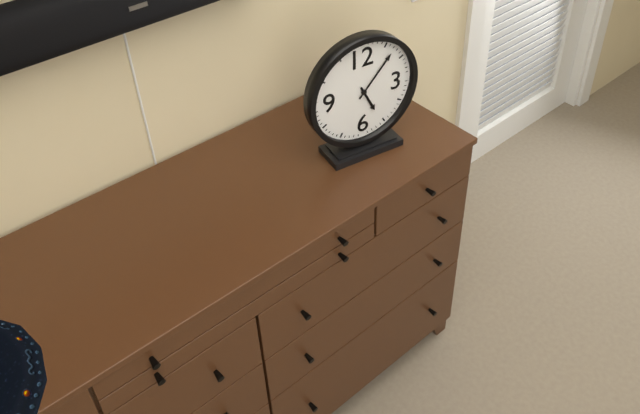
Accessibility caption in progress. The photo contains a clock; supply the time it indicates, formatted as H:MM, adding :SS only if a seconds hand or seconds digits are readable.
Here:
5:07
